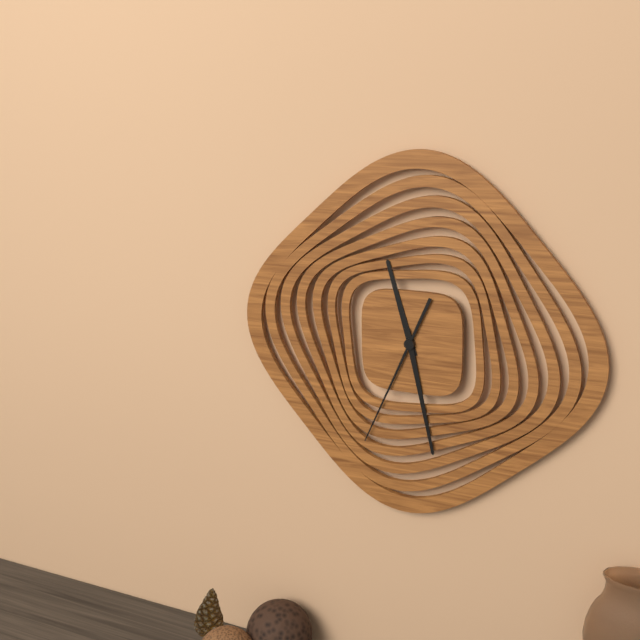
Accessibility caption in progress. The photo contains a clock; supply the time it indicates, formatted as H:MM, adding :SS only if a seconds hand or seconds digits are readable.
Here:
11:28:34
